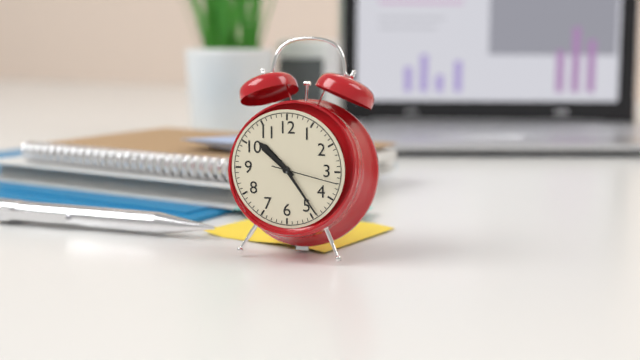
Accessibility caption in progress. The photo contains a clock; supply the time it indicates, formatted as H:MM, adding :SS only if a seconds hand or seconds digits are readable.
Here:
10:24:17
